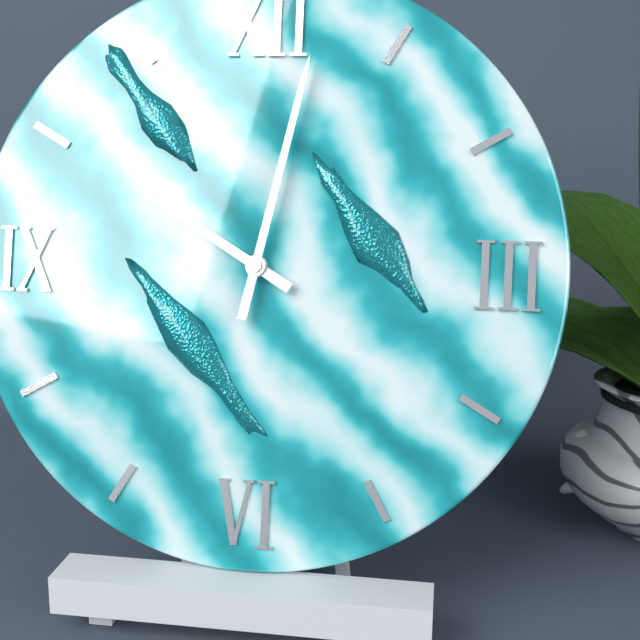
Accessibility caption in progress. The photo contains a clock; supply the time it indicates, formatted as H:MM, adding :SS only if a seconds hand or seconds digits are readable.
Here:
10:02
